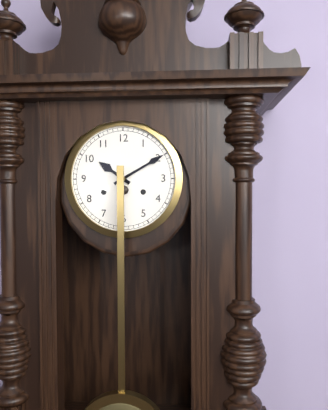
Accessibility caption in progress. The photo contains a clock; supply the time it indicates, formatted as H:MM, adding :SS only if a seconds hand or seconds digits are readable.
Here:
10:10
